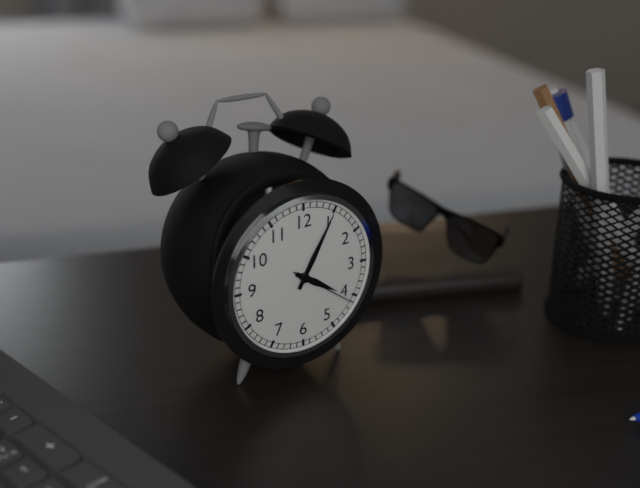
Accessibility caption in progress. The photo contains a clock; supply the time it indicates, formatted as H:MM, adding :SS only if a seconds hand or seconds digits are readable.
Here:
4:05:21
